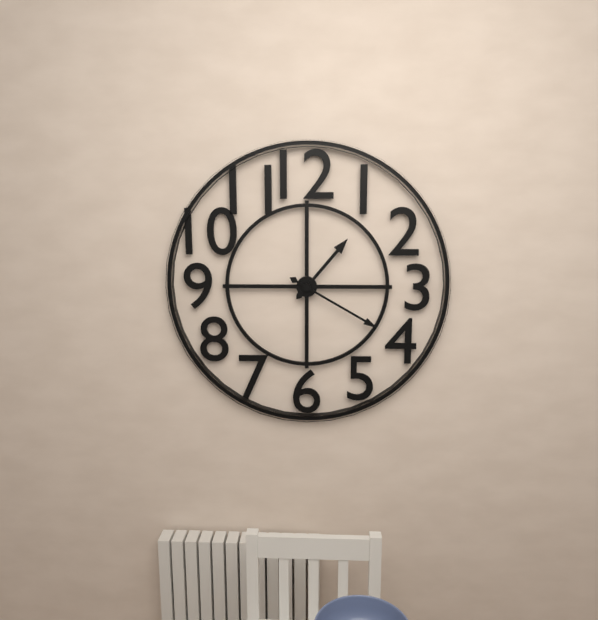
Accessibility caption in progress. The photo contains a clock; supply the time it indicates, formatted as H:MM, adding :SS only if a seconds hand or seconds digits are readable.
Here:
1:20
